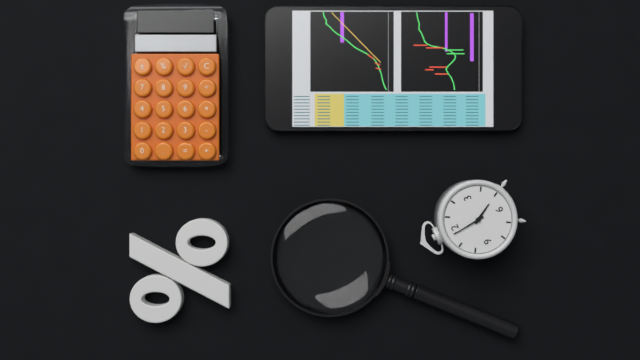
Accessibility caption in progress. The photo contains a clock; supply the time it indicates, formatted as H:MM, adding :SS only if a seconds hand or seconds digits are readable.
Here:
4:59
